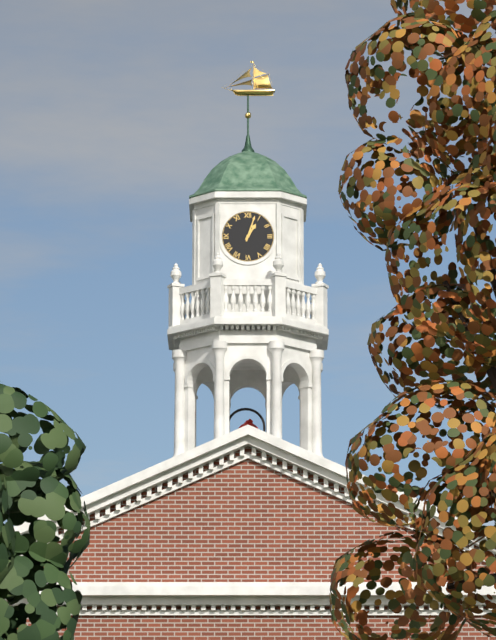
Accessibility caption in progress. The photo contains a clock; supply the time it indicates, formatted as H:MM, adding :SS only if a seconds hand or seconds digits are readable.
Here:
1:03
